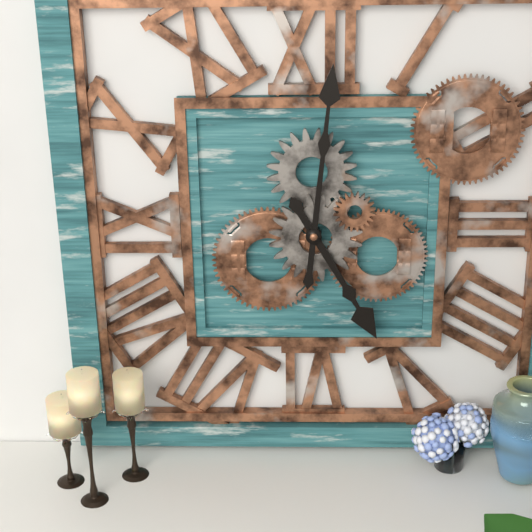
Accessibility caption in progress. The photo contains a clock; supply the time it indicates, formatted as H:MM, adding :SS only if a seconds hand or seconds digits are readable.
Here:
5:01
